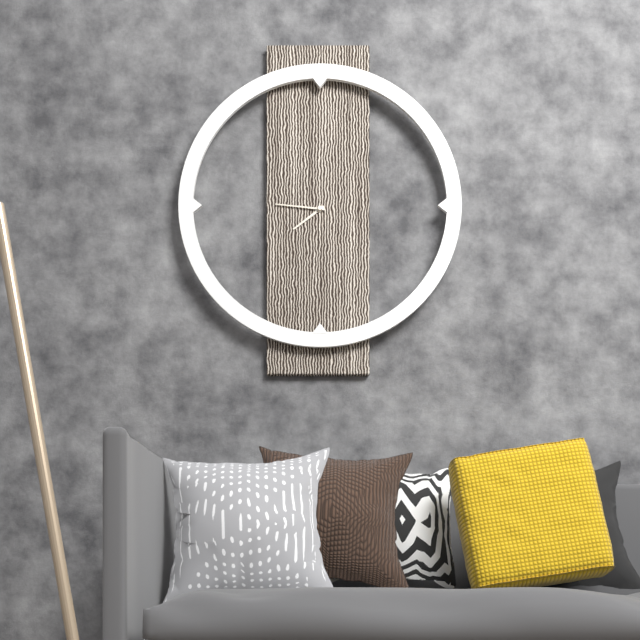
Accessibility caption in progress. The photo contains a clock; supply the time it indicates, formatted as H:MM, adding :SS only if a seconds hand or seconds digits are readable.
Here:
7:46
